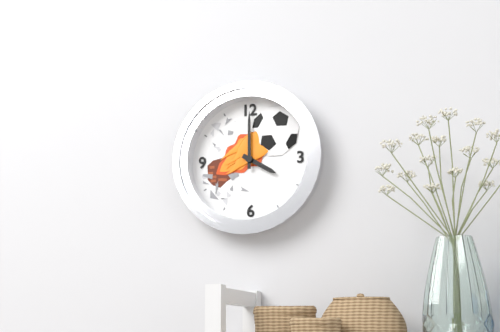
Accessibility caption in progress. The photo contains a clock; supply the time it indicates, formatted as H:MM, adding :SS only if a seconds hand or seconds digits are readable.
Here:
4:00
